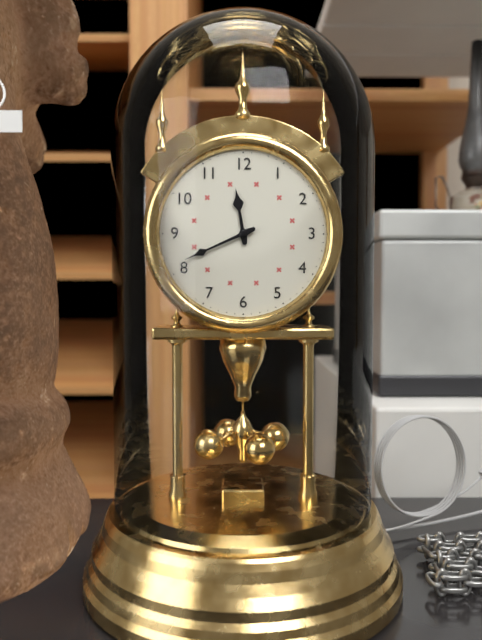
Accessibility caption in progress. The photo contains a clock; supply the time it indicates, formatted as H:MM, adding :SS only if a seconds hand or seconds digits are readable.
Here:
11:41
